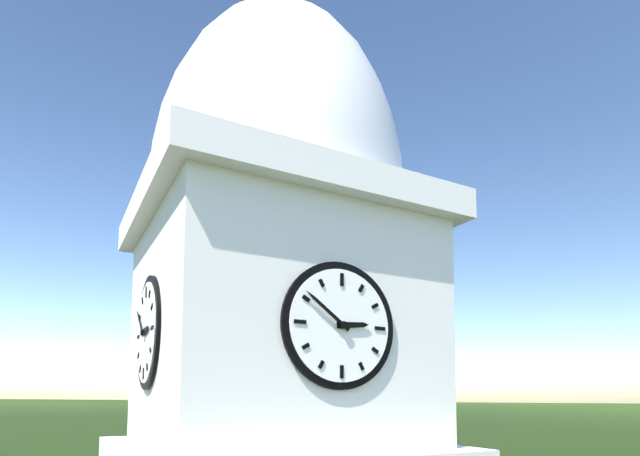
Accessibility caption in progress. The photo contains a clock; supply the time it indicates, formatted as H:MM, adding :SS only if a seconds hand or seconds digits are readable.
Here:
2:51
